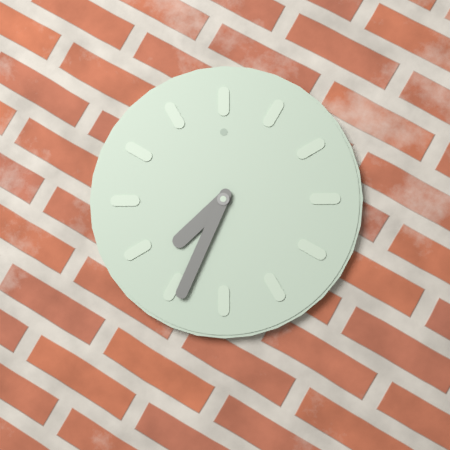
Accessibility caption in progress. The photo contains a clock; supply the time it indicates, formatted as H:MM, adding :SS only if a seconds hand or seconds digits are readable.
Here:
7:34
